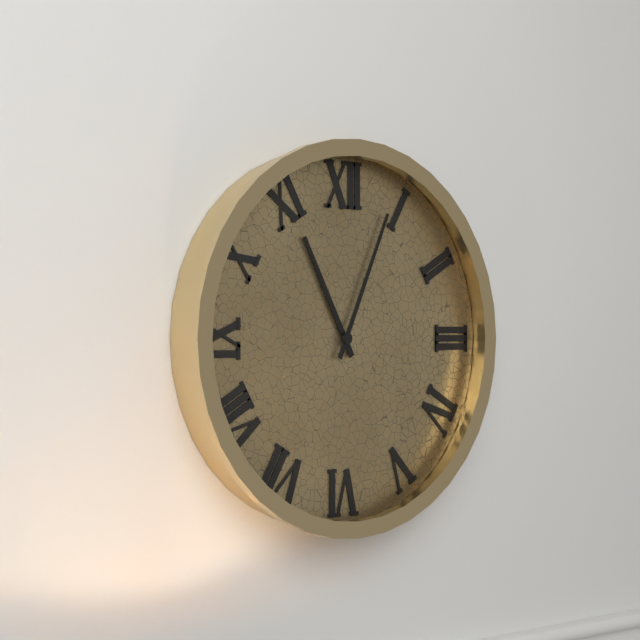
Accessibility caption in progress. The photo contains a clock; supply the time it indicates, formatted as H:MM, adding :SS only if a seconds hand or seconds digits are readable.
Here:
11:04
